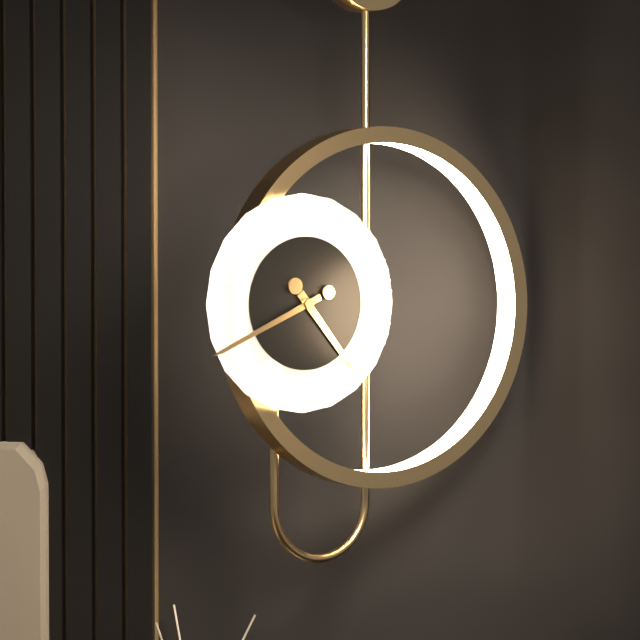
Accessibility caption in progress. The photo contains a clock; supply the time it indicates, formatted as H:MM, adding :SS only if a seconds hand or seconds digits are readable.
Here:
4:41
